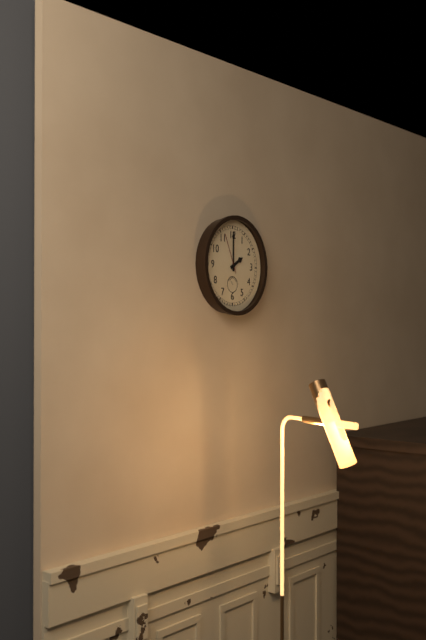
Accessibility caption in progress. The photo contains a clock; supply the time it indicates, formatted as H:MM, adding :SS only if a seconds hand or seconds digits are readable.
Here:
2:00
